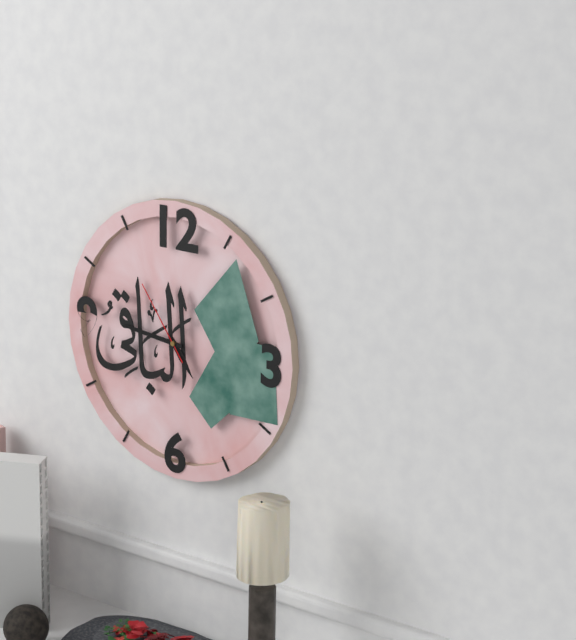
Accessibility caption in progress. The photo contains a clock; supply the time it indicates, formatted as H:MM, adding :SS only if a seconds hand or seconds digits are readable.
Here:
4:46:54
